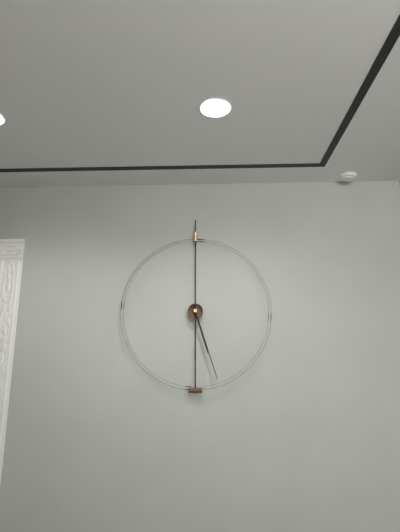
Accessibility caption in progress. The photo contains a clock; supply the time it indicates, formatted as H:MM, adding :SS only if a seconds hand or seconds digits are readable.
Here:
5:27
